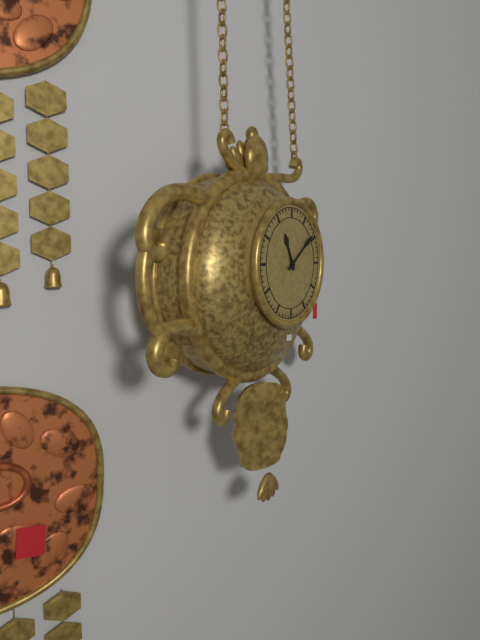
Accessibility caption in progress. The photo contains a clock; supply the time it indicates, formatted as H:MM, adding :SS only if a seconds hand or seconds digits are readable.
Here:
11:09
